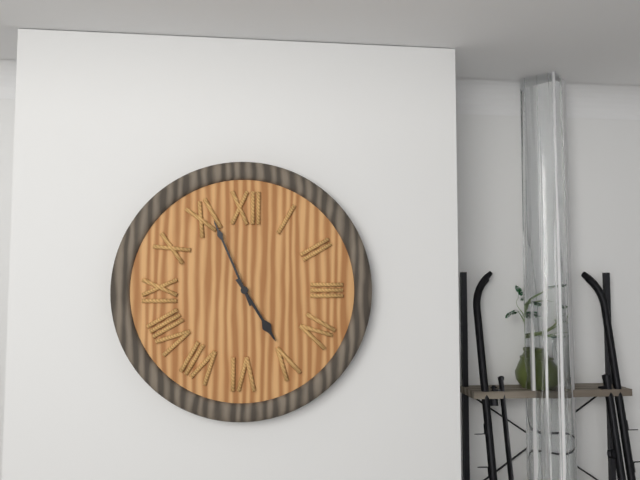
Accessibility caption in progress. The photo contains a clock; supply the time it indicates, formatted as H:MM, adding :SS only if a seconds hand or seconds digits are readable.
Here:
4:56
